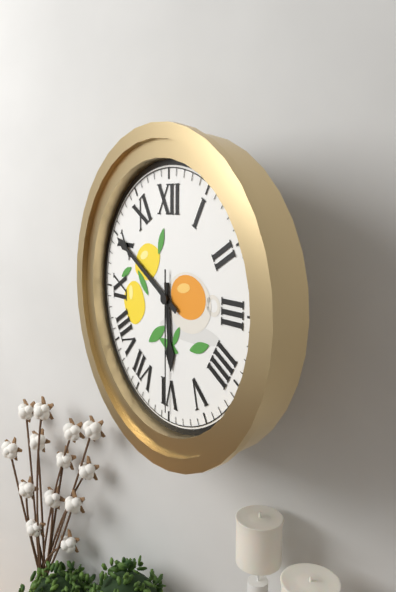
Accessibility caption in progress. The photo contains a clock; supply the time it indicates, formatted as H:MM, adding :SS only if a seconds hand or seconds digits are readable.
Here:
5:50:30
